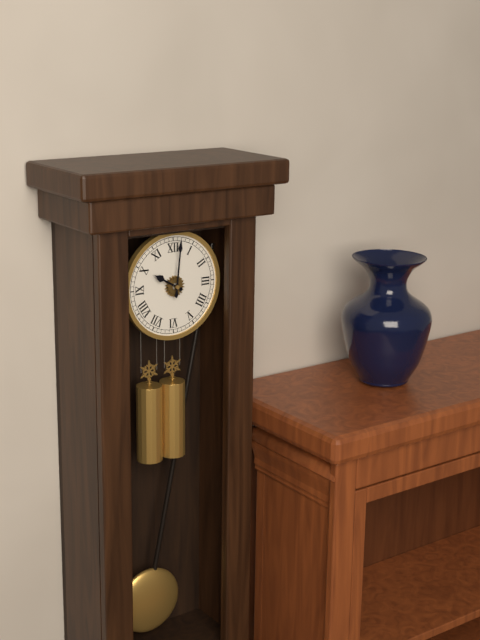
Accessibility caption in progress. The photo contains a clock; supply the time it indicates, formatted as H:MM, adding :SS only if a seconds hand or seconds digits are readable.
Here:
10:01
